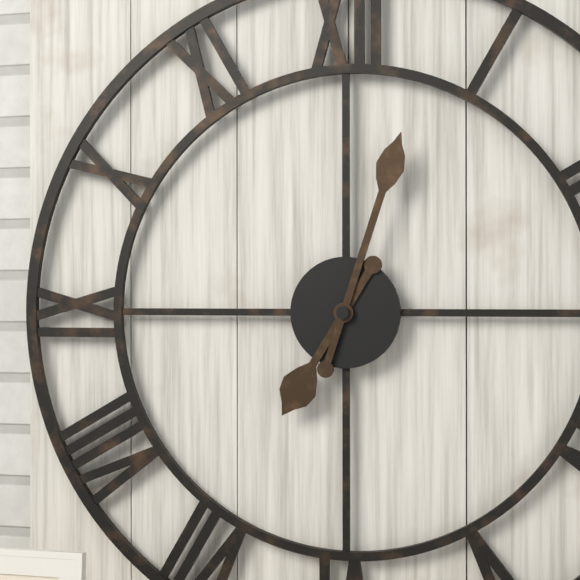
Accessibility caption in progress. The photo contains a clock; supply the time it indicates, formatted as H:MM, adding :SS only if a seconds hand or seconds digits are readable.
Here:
7:03
